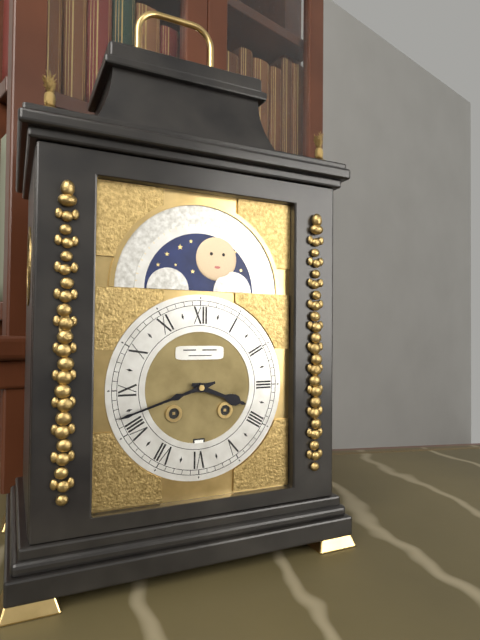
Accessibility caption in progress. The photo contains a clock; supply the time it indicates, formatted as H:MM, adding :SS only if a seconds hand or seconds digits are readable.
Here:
3:42
